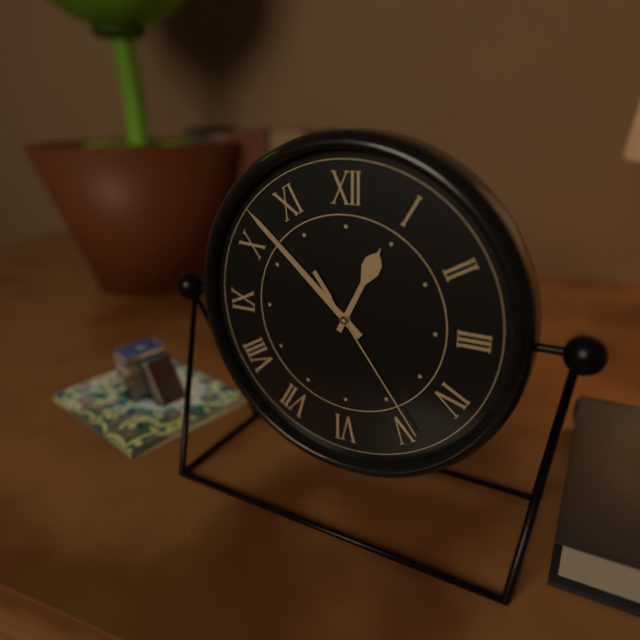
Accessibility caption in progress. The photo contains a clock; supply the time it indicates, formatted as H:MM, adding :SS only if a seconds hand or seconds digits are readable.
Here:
12:52:24
